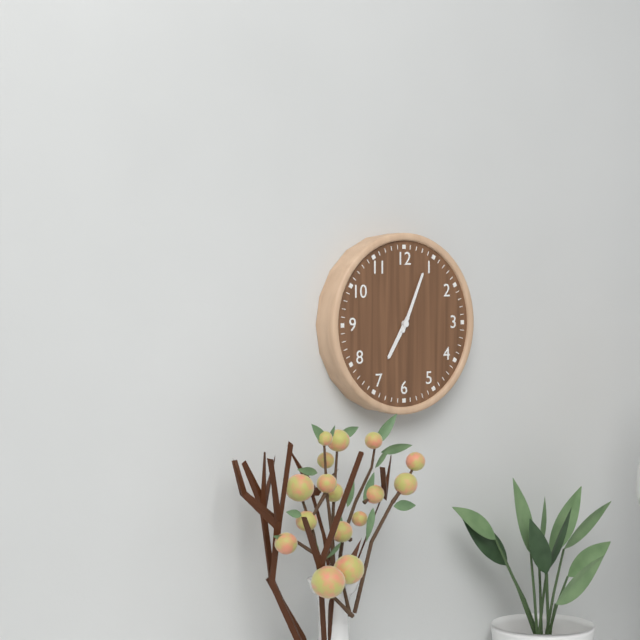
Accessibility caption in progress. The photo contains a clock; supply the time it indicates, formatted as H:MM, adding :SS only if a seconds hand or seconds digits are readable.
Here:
7:04
